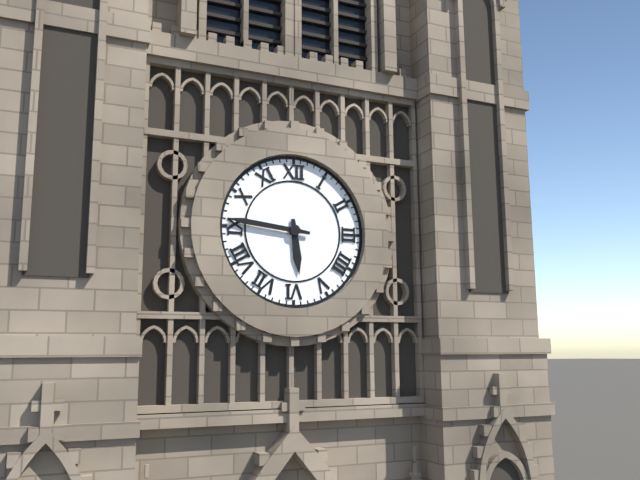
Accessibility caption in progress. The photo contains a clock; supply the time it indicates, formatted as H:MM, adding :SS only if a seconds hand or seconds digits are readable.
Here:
5:46
